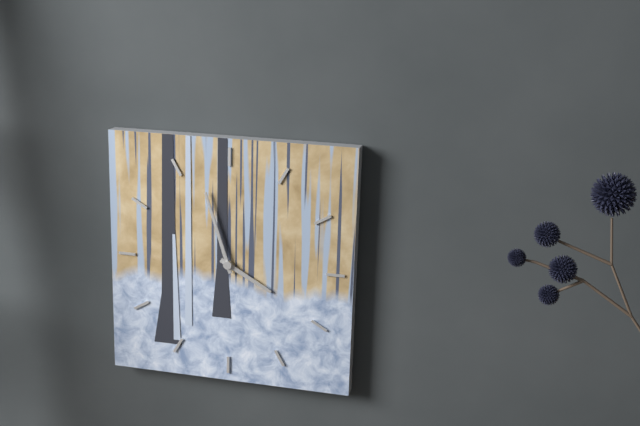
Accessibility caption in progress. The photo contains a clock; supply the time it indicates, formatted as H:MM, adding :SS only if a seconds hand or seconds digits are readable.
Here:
3:57
